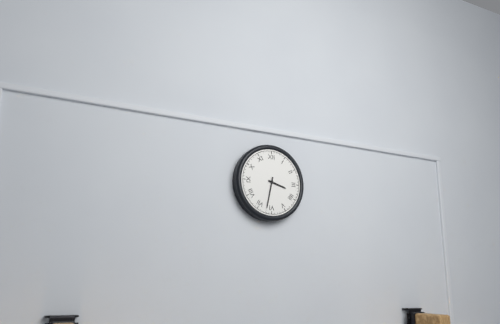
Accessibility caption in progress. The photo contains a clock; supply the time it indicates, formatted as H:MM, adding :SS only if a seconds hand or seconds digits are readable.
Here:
3:32
